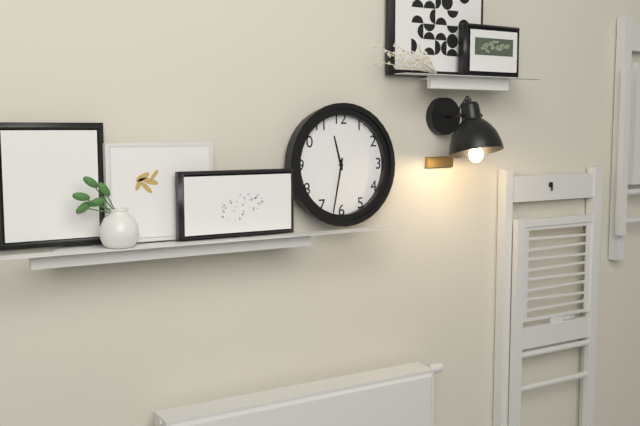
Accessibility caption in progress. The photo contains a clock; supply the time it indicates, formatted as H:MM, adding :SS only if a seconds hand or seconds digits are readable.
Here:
11:32
